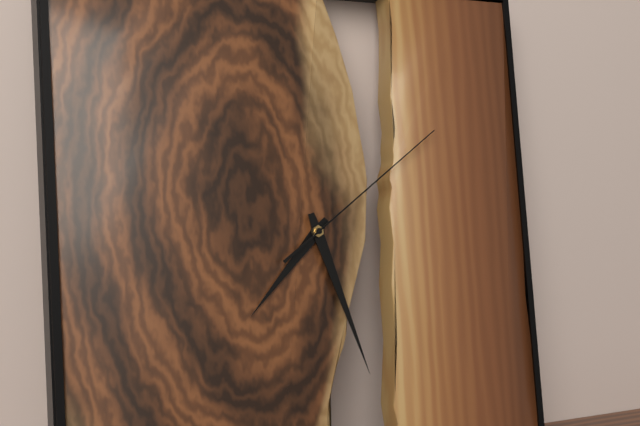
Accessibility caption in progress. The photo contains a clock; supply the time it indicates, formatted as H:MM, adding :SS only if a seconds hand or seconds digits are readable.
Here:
7:27:09
